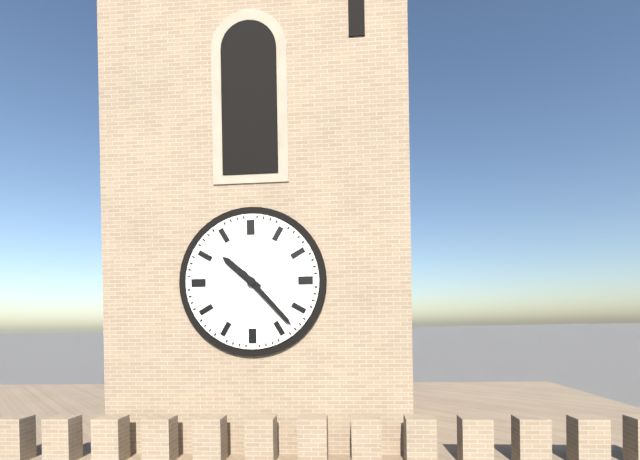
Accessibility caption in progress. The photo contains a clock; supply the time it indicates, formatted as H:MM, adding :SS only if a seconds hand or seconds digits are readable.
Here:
10:23
